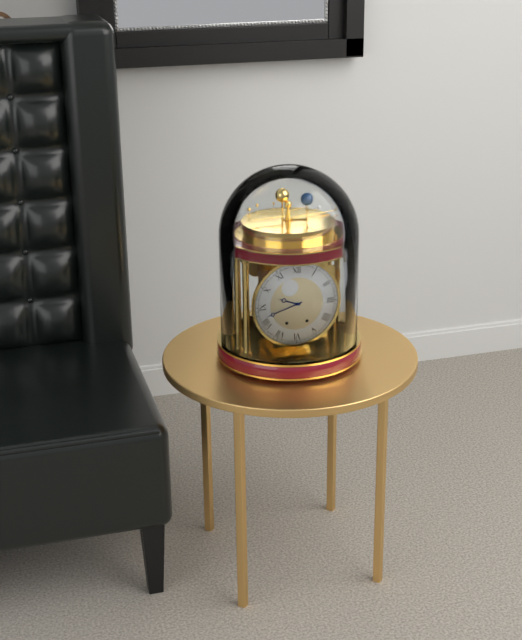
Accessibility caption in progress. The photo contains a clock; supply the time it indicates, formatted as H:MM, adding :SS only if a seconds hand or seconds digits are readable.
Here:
9:42
